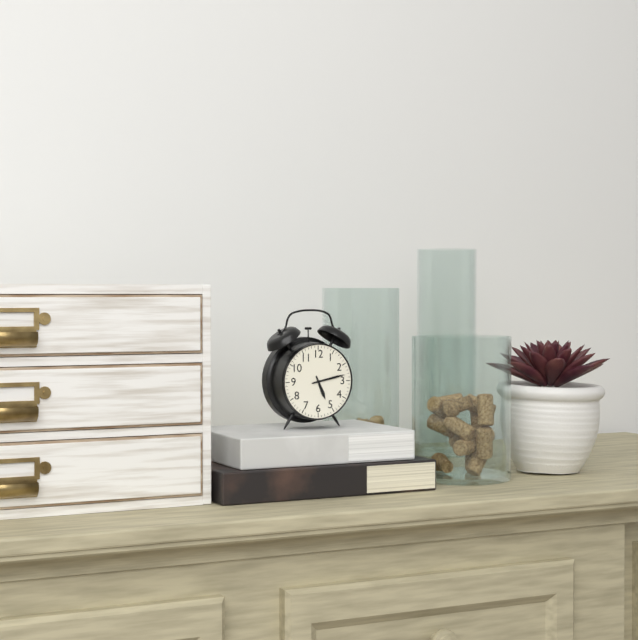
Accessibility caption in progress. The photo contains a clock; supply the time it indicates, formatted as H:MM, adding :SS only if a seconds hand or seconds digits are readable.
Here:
5:13
